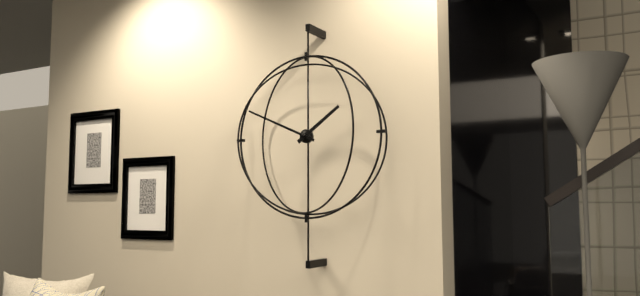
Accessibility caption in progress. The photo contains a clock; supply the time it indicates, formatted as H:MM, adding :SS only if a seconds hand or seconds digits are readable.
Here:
1:49
